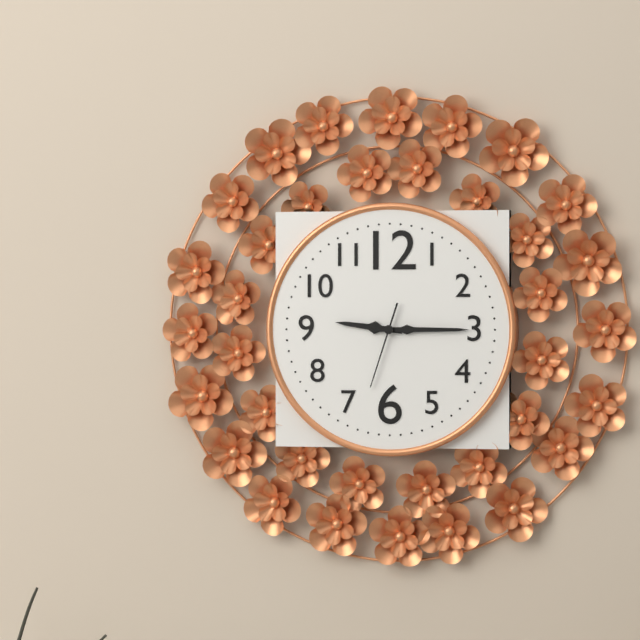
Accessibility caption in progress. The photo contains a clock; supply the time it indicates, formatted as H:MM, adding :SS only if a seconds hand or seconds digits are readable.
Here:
9:15:33
